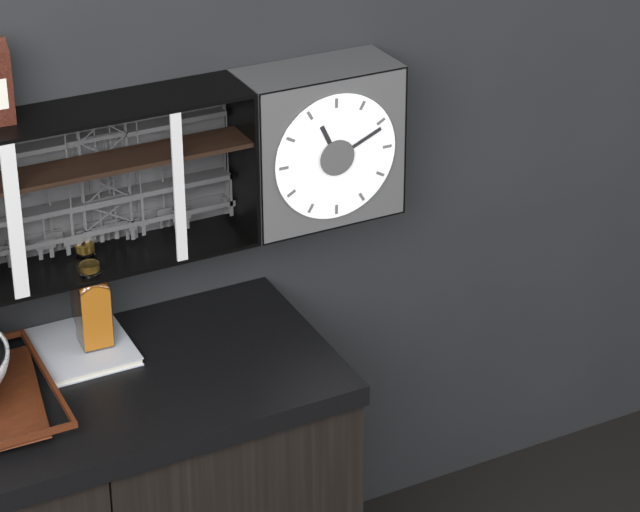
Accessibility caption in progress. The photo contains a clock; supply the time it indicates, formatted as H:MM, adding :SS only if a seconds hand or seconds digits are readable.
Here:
11:11
